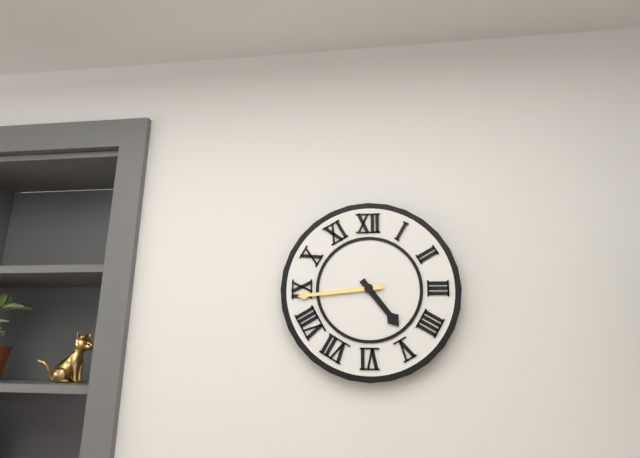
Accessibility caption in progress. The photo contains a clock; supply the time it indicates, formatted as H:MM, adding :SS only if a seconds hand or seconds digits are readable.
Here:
4:44
